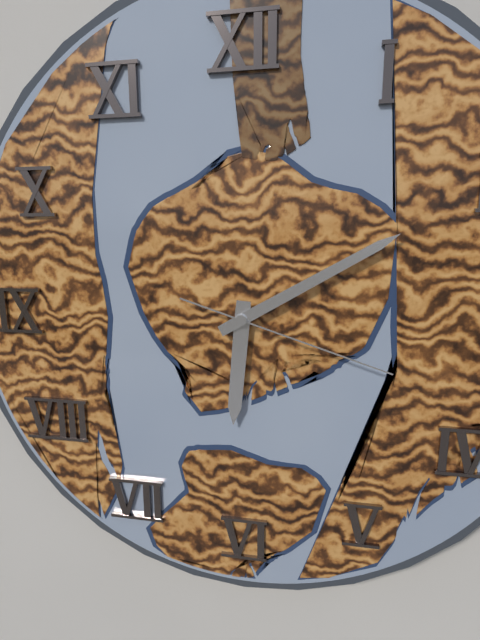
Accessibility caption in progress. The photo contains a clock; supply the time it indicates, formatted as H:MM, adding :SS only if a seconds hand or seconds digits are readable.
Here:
6:10:18
